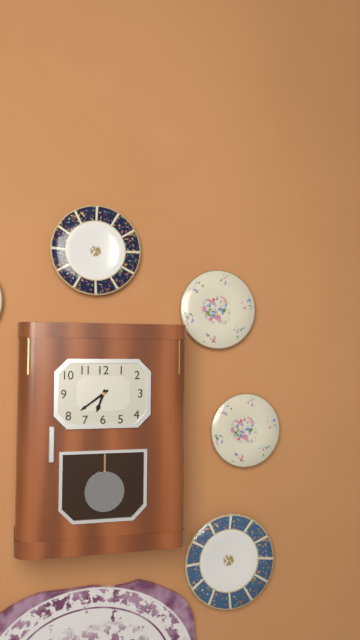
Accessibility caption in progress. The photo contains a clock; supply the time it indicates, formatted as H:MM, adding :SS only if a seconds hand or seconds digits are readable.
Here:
6:39
